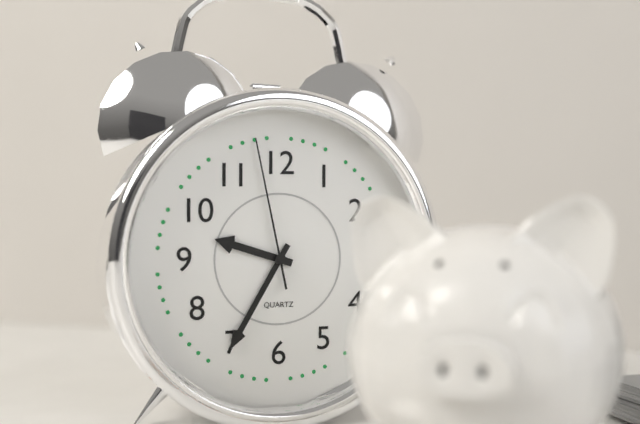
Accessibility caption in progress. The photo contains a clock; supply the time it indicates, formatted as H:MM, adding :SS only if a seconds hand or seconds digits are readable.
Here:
9:35:58
